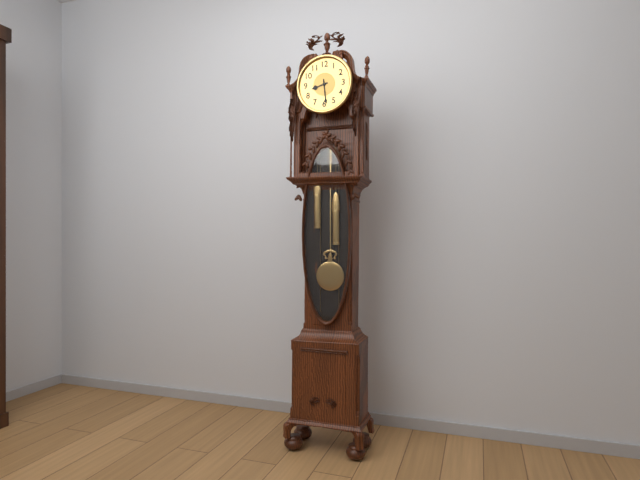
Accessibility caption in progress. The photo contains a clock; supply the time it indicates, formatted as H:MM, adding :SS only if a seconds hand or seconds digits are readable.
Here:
8:29
